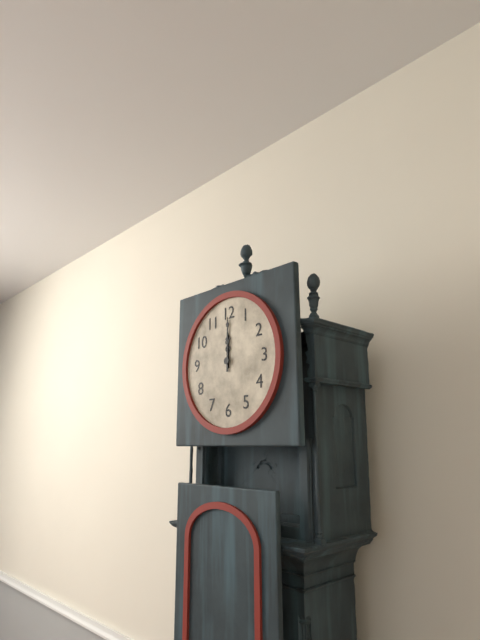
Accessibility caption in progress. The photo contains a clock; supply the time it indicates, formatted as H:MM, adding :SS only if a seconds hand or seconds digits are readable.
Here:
12:00
